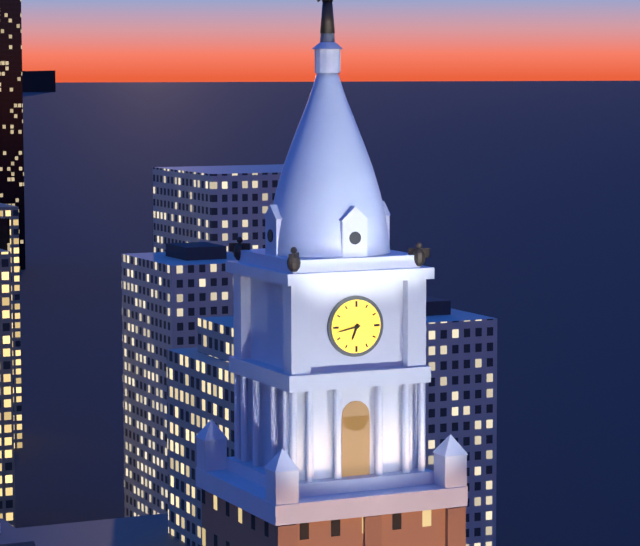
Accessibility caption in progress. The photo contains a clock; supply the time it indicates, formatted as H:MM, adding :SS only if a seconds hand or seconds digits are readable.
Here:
6:43
